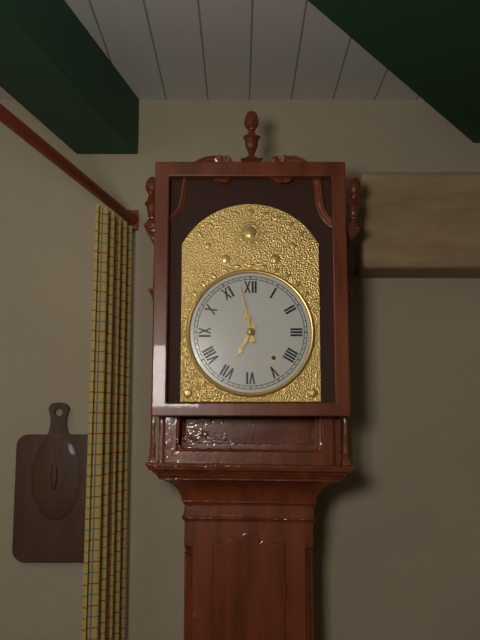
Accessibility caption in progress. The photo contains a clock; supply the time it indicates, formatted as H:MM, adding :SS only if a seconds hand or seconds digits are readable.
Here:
6:58
